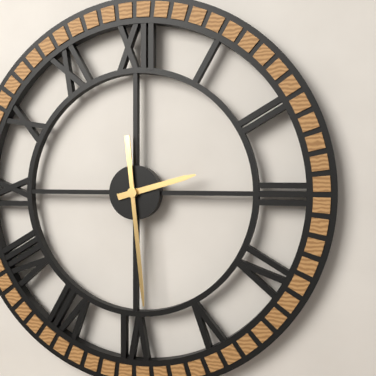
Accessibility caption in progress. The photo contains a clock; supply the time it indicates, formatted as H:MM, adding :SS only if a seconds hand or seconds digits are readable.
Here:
2:29
